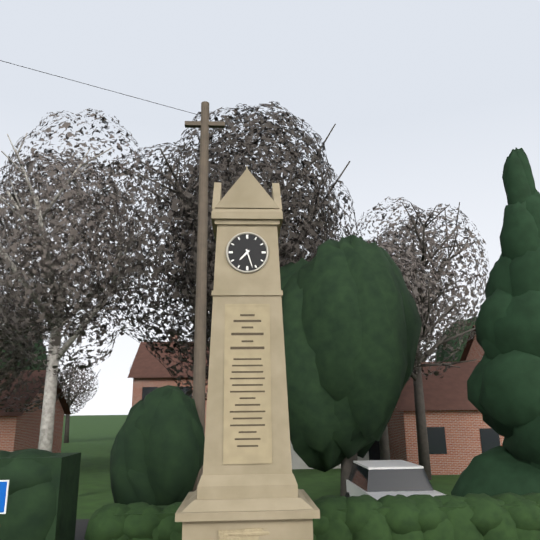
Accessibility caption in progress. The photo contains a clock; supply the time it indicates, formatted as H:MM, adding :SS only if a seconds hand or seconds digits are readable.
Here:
7:27
